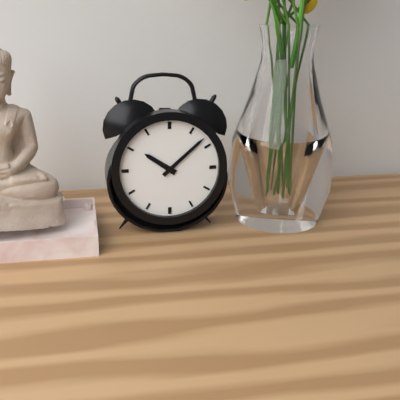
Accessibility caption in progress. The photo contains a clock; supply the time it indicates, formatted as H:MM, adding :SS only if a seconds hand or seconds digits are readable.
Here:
10:08
